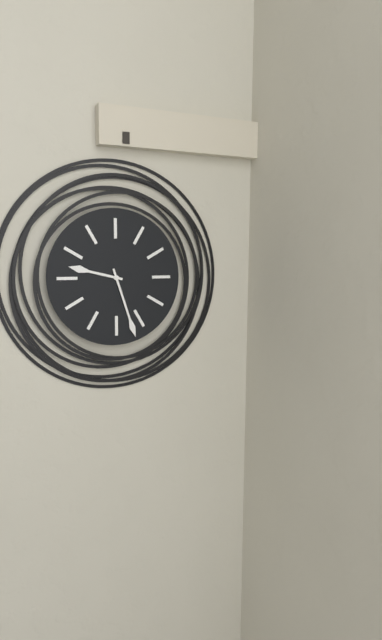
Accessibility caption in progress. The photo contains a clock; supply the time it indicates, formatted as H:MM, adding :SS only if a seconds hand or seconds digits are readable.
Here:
9:27
